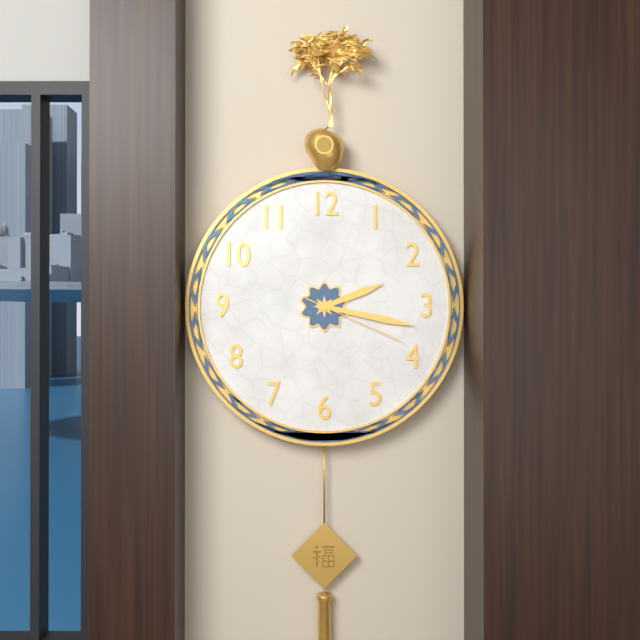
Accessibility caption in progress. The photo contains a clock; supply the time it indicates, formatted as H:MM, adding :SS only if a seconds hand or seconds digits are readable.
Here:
2:17:19
